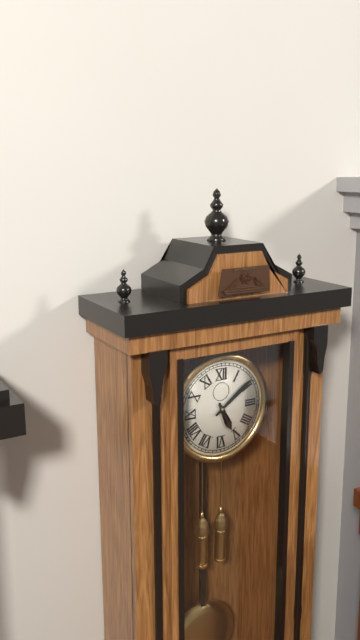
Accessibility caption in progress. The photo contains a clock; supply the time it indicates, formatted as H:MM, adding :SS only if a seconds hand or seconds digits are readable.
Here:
5:09
